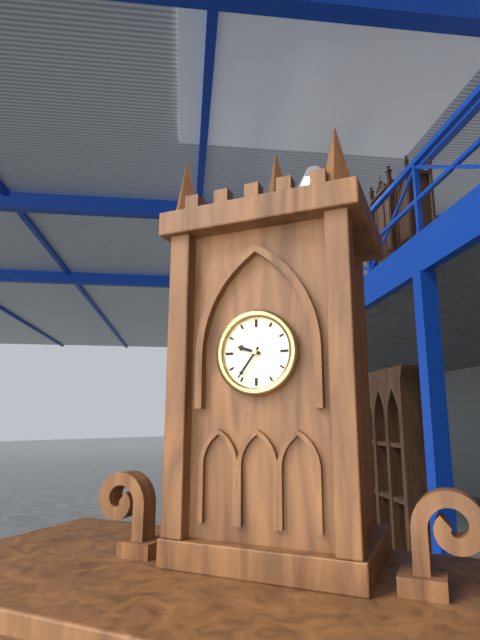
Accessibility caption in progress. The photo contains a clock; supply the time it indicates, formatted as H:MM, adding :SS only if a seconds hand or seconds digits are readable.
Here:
9:36
